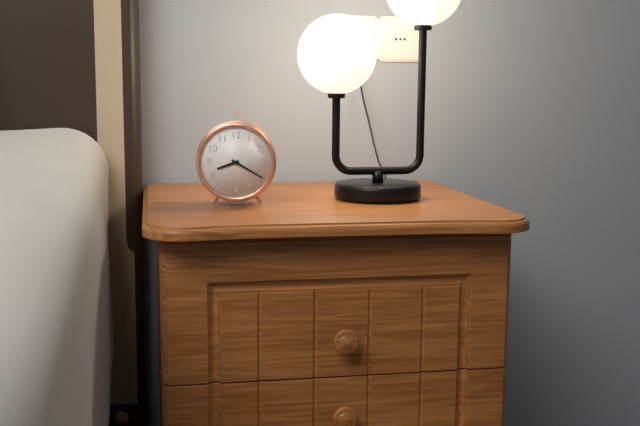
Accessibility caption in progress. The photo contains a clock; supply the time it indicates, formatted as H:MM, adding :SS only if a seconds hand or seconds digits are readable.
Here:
8:20
